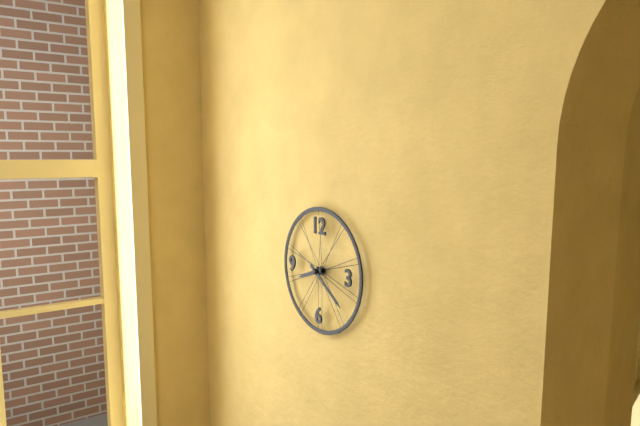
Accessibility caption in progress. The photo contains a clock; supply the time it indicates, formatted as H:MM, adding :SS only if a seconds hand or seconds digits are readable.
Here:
8:21
